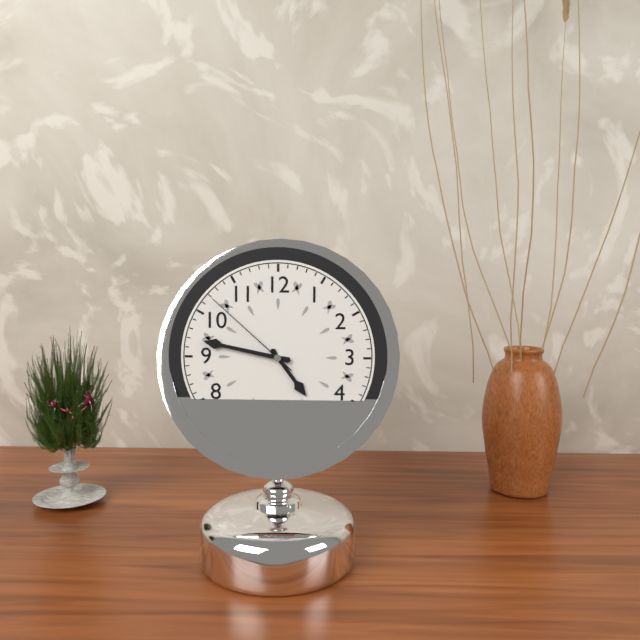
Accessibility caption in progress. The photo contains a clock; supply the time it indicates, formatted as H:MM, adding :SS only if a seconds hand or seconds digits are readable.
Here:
4:47:52
